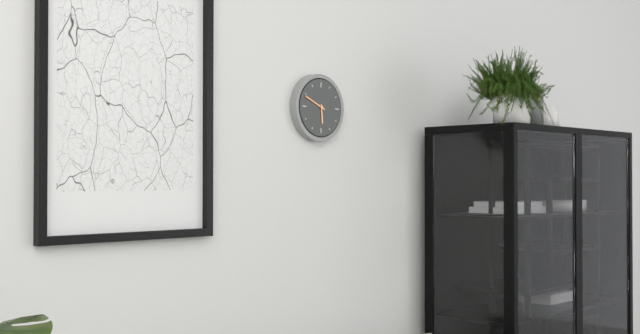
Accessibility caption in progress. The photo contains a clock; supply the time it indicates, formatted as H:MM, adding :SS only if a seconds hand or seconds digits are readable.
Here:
5:49
